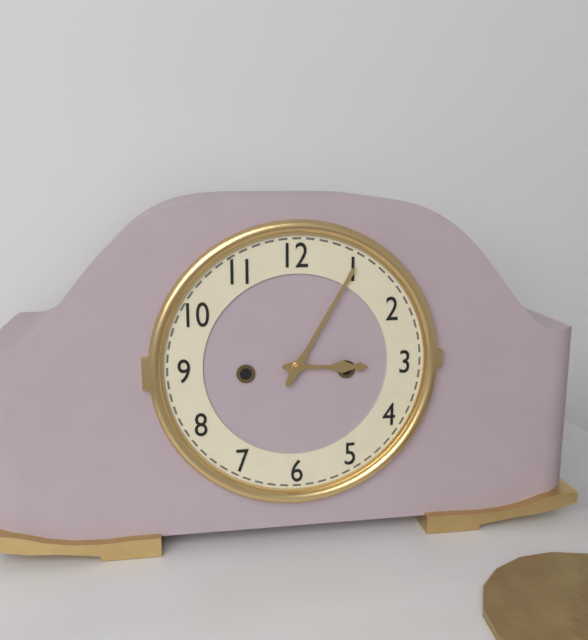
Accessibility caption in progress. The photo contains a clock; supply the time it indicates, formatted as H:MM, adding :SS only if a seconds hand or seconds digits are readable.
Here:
3:05
